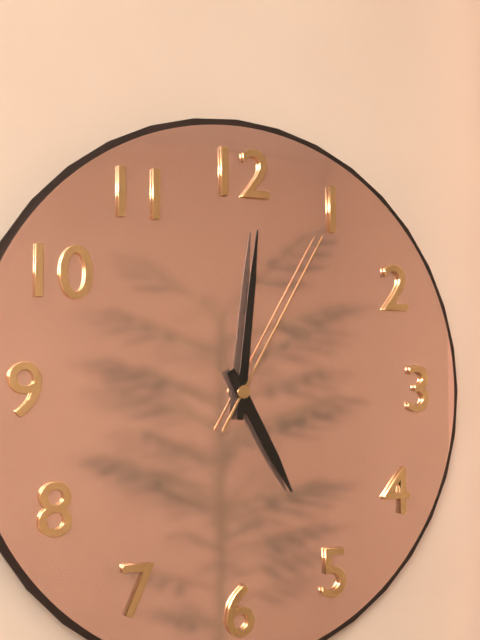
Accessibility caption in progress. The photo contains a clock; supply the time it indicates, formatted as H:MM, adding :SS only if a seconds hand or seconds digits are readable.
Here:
5:01:05
